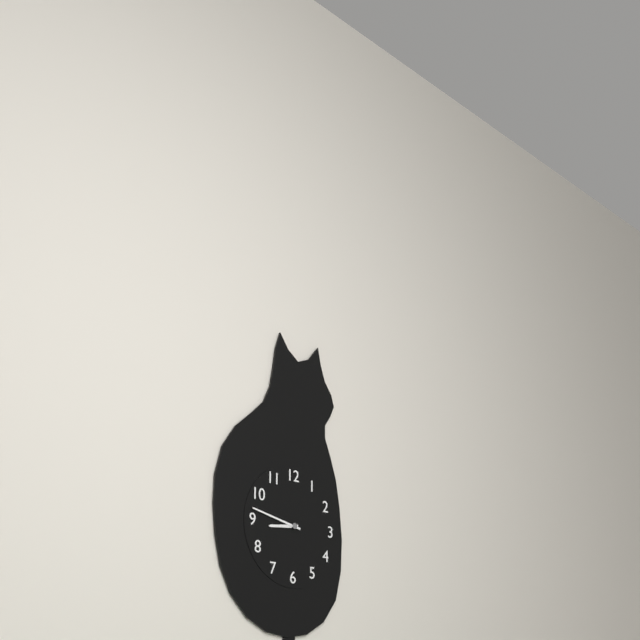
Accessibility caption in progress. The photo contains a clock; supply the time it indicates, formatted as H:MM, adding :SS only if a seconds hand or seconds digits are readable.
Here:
8:47
